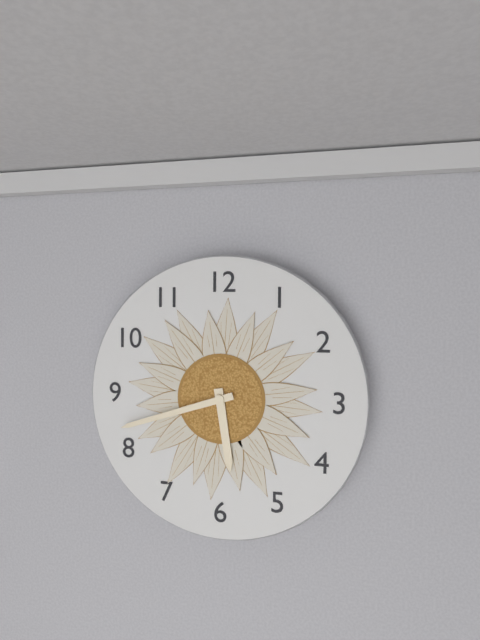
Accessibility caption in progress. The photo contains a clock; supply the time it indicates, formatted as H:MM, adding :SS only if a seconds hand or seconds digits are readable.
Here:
5:42
